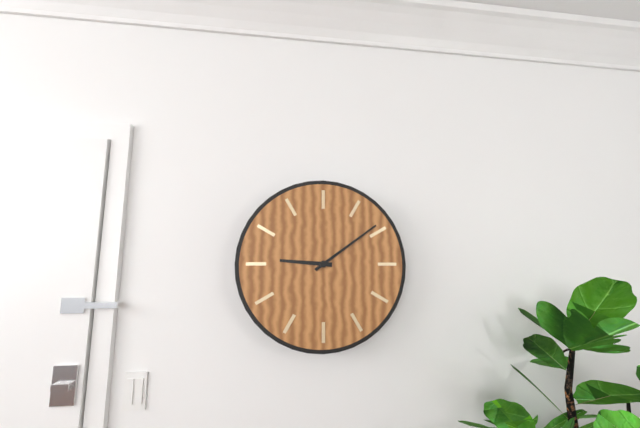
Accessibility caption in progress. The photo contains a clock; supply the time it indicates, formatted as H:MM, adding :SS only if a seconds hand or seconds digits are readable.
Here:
9:09
